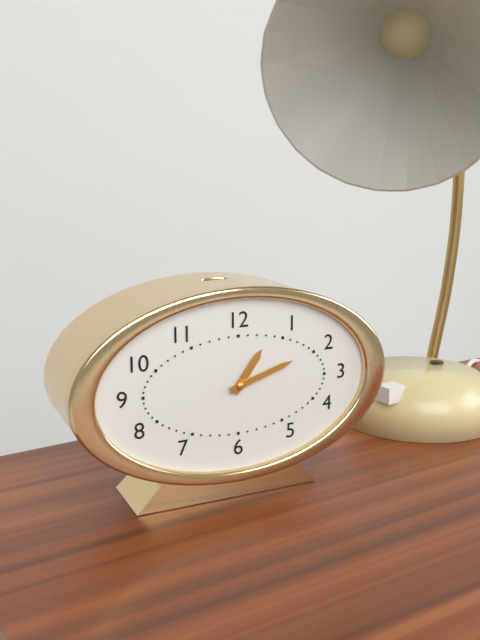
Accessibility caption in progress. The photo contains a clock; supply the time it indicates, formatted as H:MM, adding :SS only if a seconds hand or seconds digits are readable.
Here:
1:12
